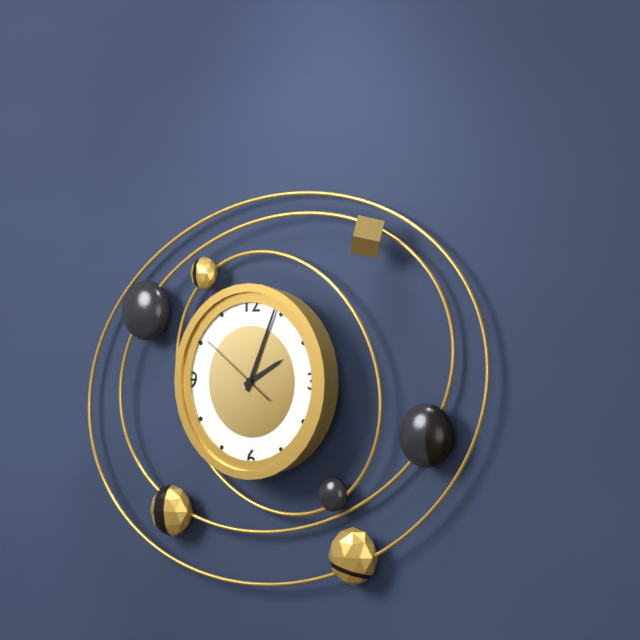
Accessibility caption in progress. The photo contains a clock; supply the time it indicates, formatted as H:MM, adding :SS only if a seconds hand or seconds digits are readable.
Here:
2:04:51
